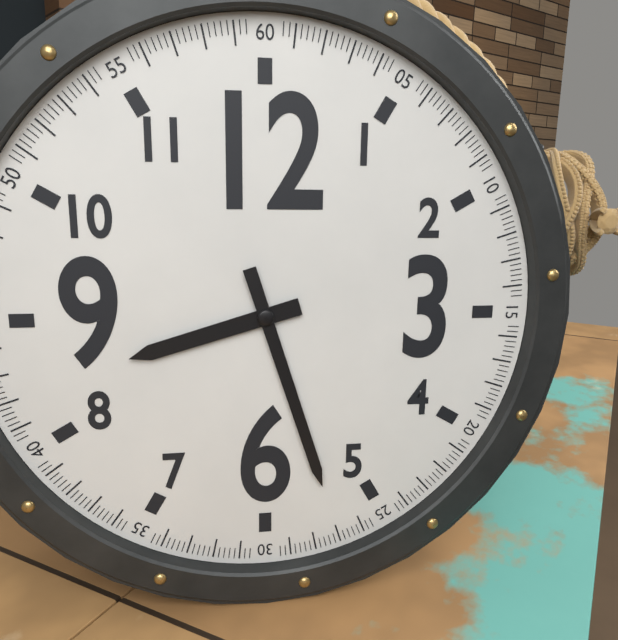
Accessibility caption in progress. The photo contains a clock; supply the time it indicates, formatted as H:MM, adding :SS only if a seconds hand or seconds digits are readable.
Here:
8:27
